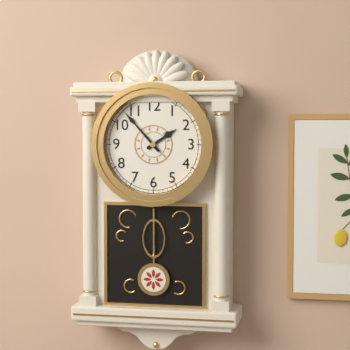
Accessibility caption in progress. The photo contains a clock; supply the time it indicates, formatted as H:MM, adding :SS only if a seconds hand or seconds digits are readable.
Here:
1:53
